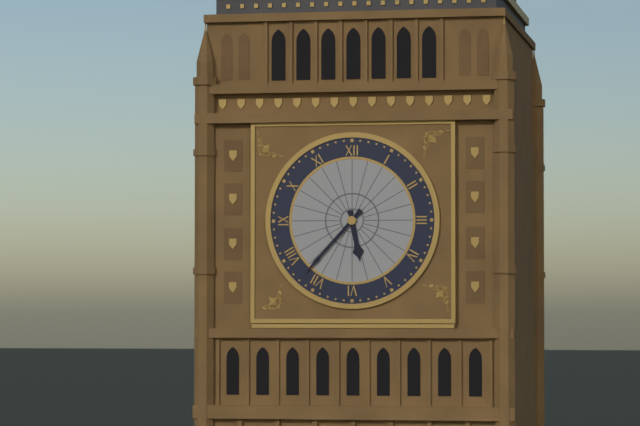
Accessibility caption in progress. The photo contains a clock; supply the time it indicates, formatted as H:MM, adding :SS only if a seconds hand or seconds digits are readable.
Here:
5:37
